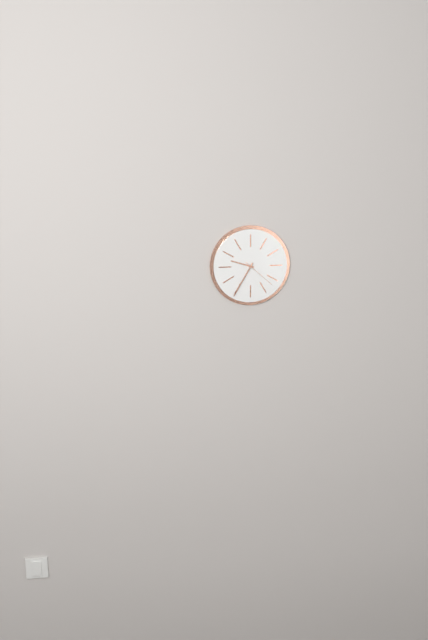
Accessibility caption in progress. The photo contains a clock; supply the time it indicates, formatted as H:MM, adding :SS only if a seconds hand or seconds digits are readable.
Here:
9:35
